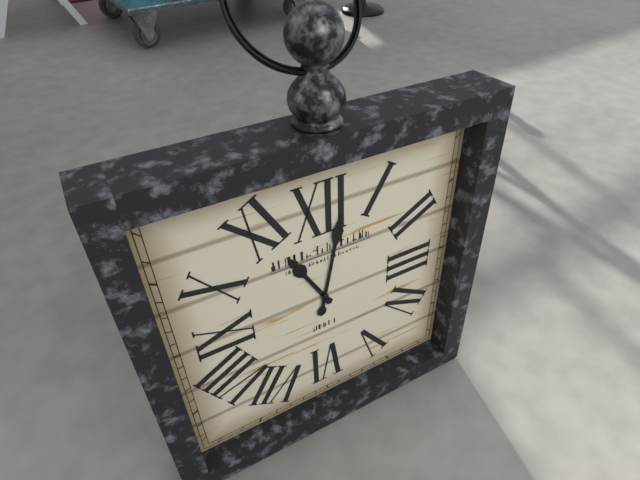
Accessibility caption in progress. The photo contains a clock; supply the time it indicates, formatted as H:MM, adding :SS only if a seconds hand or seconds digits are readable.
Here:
11:02
